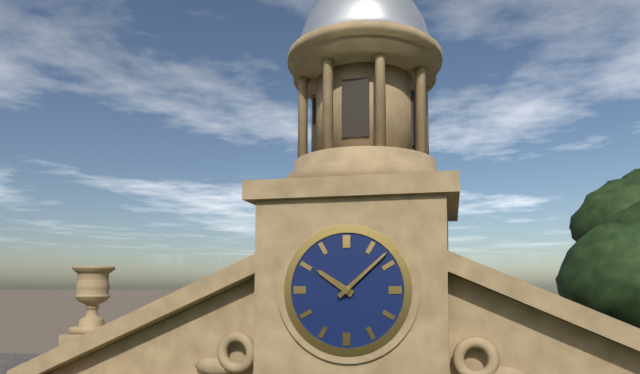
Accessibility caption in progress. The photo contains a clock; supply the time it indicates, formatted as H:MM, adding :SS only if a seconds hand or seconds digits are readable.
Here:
10:08
